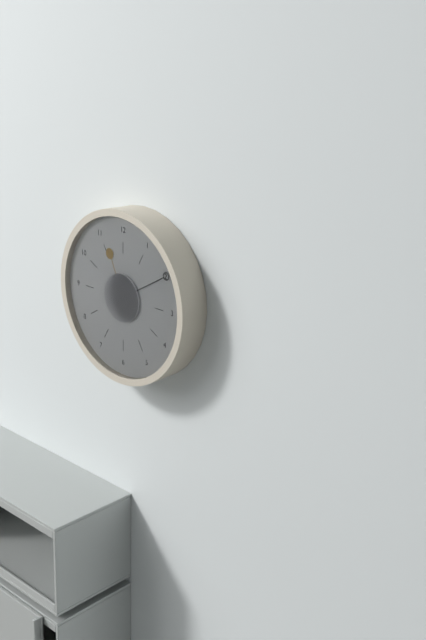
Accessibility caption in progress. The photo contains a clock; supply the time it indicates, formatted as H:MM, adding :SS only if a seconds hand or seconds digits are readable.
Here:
11:10
